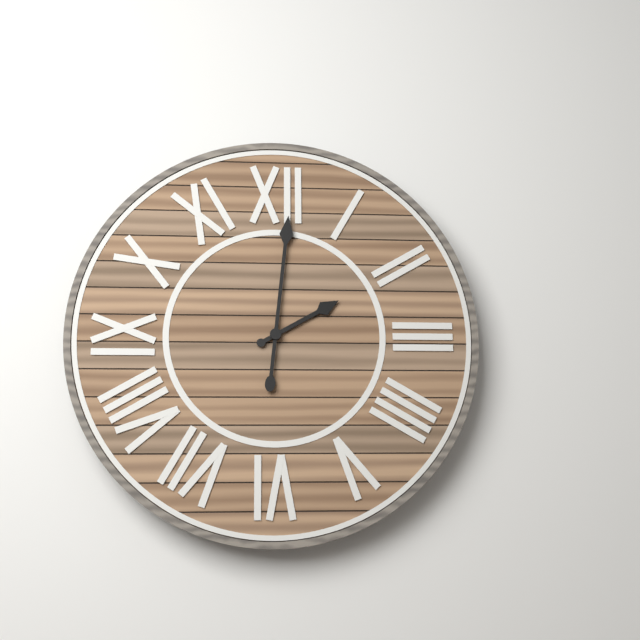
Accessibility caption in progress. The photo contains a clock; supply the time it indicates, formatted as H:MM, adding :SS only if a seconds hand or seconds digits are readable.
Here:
2:01
